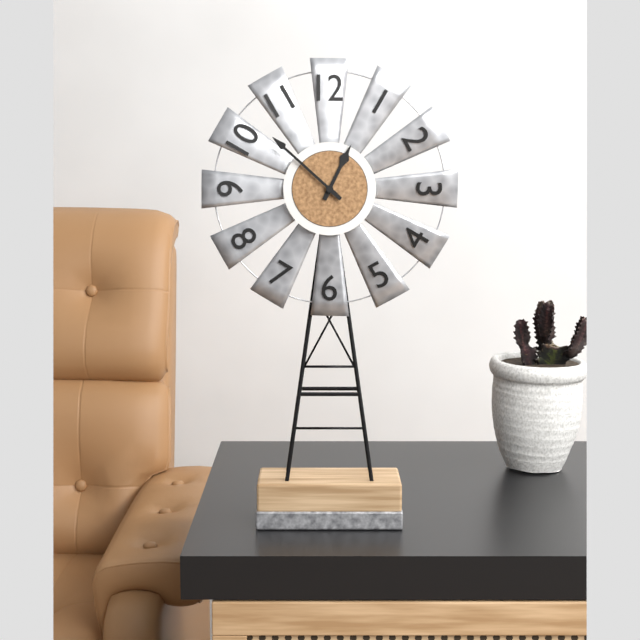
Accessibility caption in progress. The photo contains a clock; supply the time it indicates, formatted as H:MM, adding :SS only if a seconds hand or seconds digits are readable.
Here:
12:52
